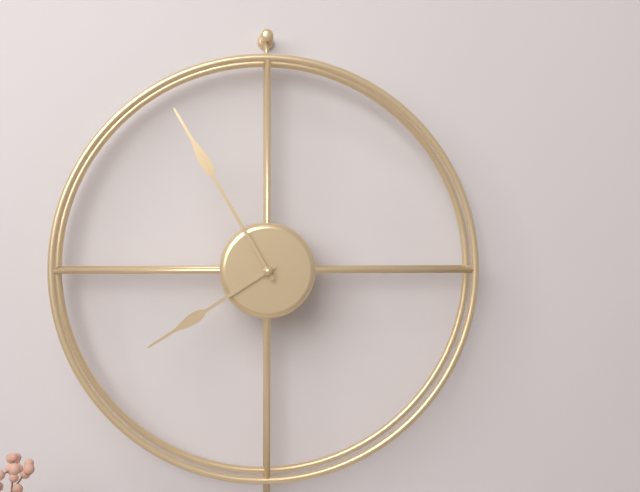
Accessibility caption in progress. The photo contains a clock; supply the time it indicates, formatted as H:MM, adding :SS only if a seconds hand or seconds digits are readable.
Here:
7:55
